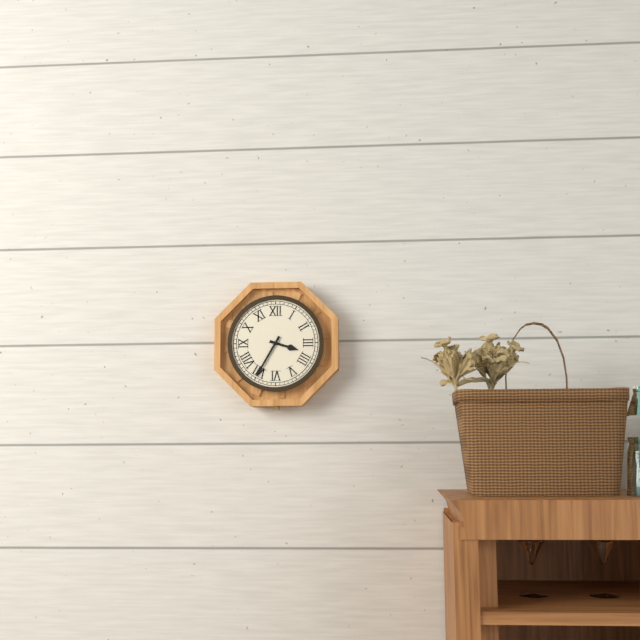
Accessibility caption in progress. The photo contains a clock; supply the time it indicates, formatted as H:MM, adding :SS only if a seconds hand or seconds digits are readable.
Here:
3:35
